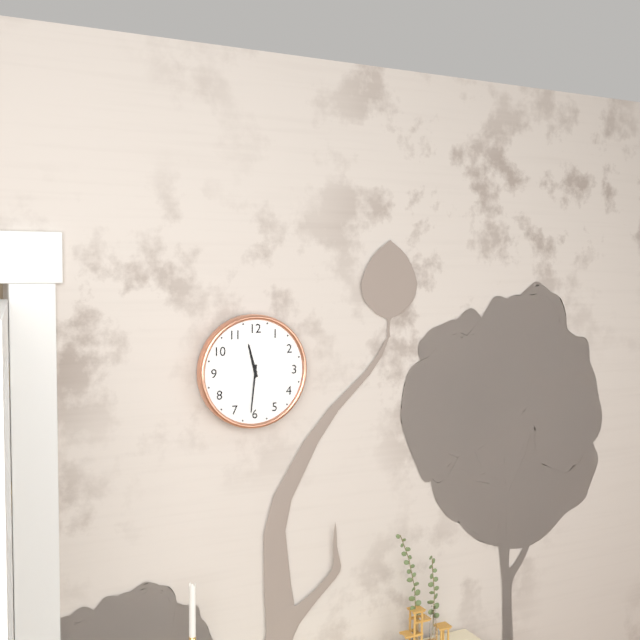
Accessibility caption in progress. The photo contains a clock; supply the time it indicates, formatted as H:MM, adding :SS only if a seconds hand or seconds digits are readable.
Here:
11:31
